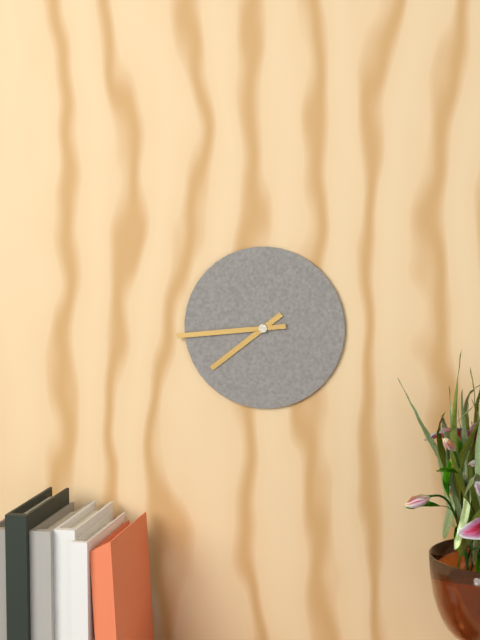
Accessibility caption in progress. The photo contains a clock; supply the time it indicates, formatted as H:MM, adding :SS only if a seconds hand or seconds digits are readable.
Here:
7:44
